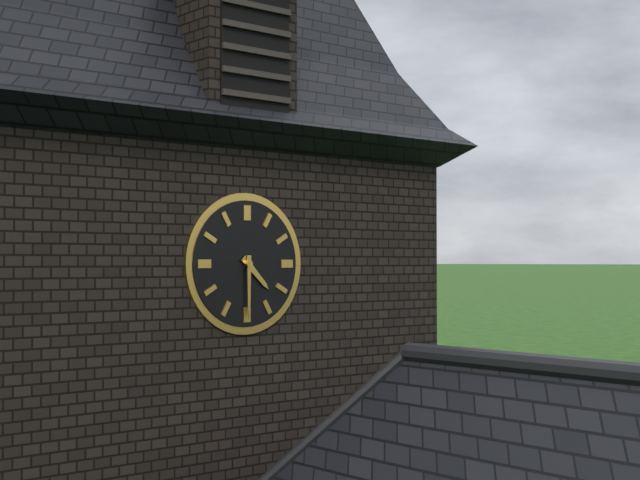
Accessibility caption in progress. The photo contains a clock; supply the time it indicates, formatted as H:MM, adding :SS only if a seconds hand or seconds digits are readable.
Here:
4:30
